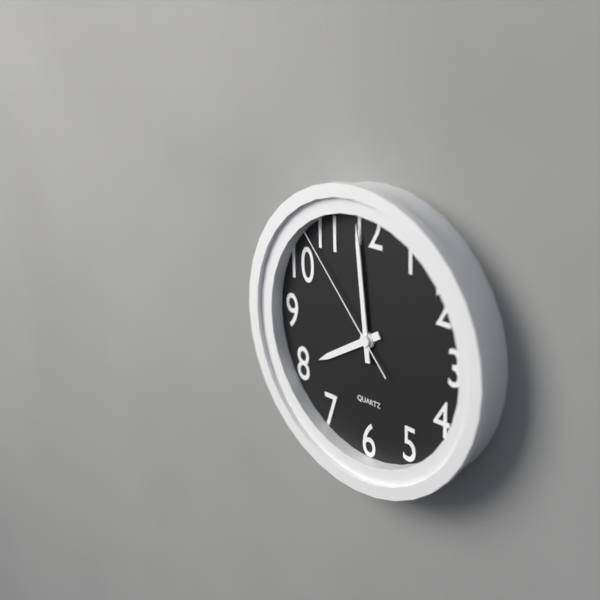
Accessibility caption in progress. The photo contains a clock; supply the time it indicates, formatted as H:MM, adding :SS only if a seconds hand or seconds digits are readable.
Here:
7:59:53
